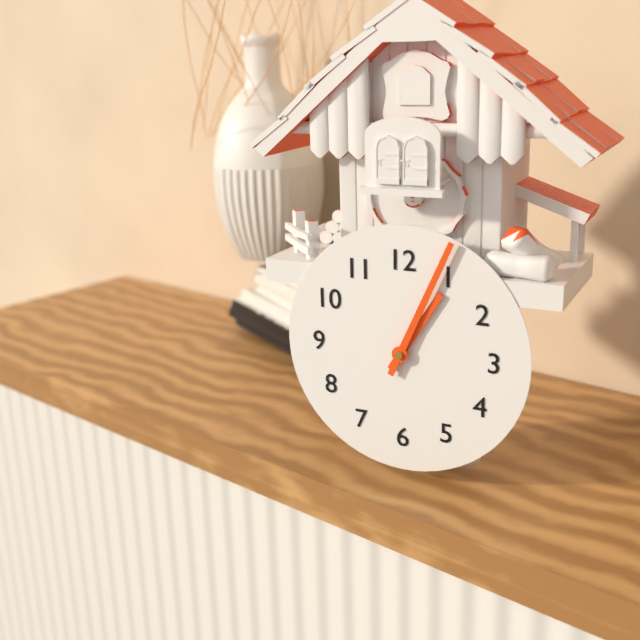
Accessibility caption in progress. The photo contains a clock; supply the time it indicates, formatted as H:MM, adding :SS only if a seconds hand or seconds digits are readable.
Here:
1:04
